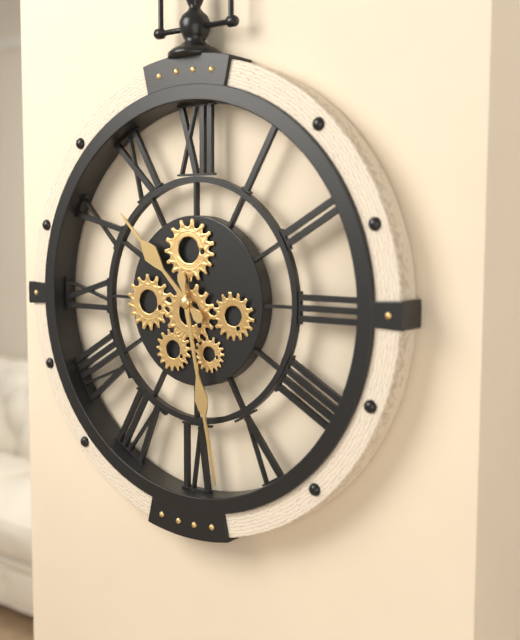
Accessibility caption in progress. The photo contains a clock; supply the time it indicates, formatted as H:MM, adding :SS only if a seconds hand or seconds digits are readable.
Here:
10:28
